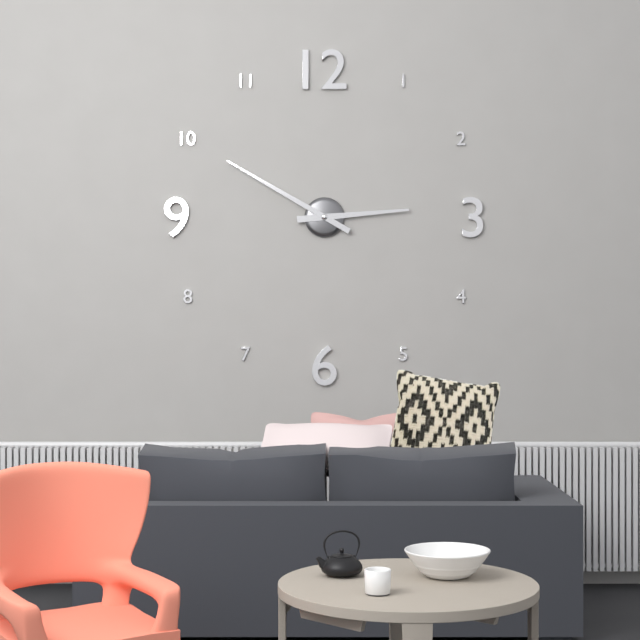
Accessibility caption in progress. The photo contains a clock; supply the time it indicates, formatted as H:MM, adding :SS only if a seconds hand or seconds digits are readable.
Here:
2:50
